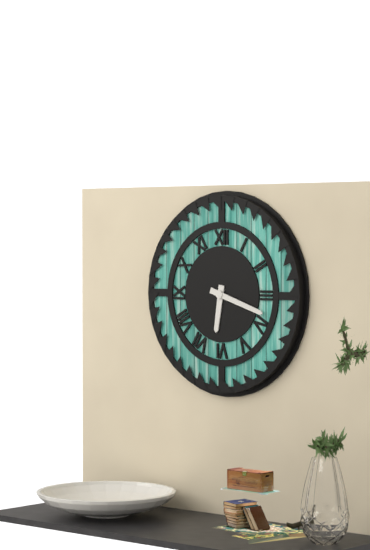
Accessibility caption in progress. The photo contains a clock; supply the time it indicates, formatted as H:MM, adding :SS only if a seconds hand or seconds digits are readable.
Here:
6:18
